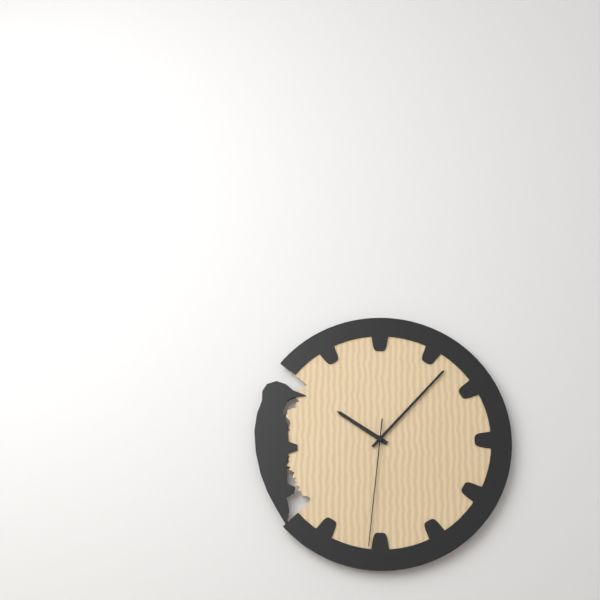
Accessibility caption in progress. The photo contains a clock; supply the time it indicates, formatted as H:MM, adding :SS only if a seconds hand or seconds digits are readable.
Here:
10:07:31
